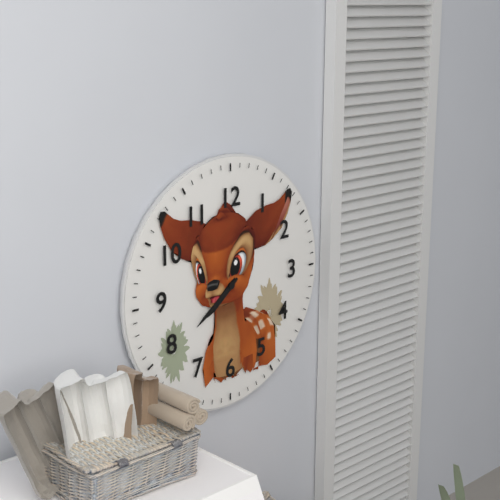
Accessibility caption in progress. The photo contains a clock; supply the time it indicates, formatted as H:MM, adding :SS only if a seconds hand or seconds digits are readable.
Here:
7:39
